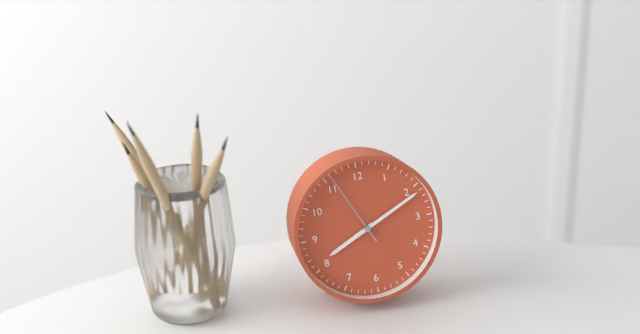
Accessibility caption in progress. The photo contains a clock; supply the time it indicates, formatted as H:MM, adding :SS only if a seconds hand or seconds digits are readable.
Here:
8:11:56
